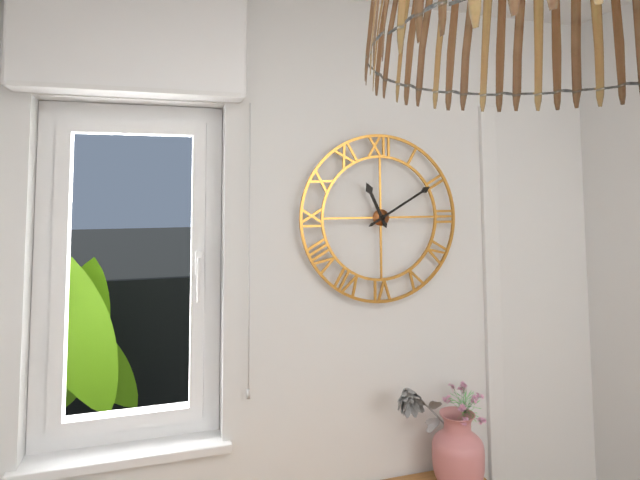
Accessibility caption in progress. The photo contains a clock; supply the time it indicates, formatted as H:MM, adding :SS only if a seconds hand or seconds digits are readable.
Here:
11:10
